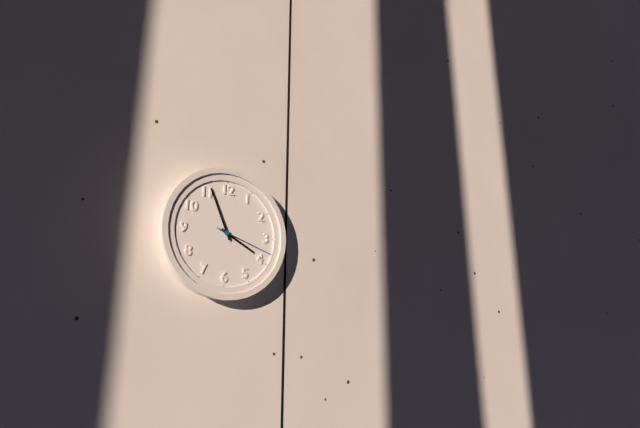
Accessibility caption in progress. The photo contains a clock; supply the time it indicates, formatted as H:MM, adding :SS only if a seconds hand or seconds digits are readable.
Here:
3:56:18
